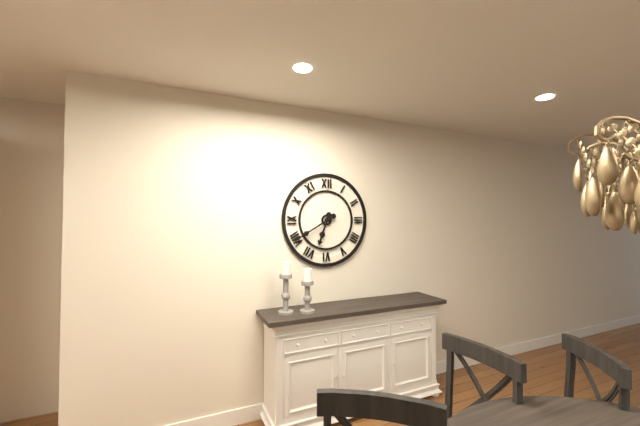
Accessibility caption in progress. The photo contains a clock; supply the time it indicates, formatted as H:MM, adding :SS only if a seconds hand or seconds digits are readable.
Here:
6:40
